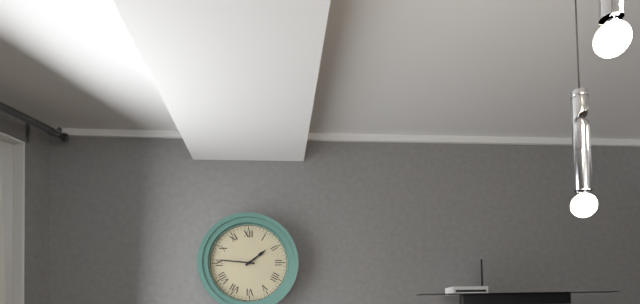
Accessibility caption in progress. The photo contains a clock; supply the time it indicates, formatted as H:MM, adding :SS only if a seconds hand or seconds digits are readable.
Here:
1:46
